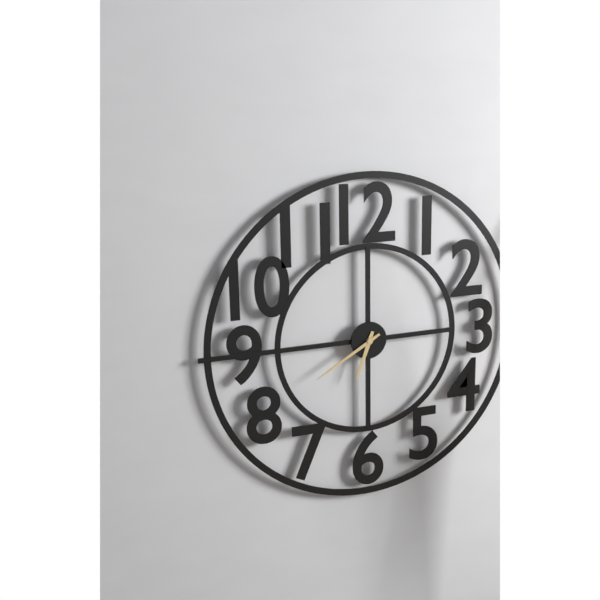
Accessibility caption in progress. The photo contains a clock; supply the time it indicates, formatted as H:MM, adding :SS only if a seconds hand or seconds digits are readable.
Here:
6:40
